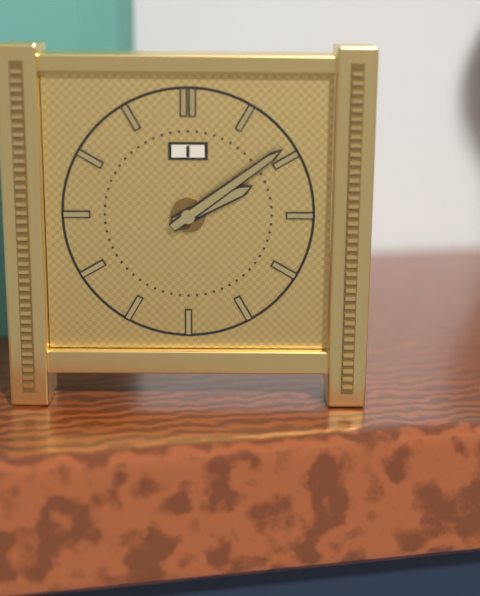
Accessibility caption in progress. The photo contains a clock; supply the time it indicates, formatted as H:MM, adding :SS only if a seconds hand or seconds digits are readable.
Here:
2:09
